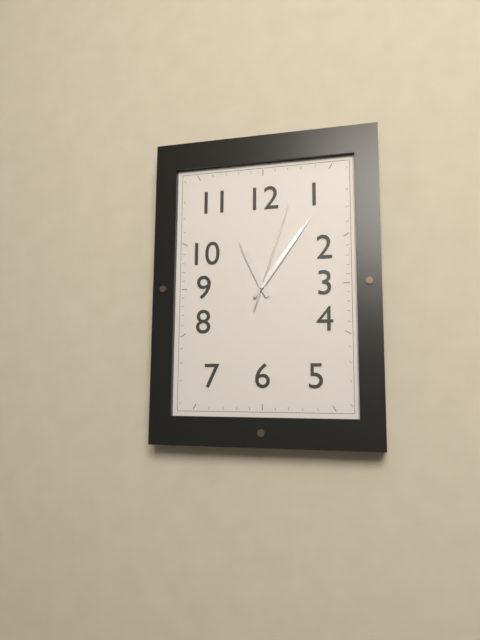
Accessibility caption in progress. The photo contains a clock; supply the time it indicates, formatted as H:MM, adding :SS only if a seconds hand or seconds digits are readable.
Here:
11:06:03
